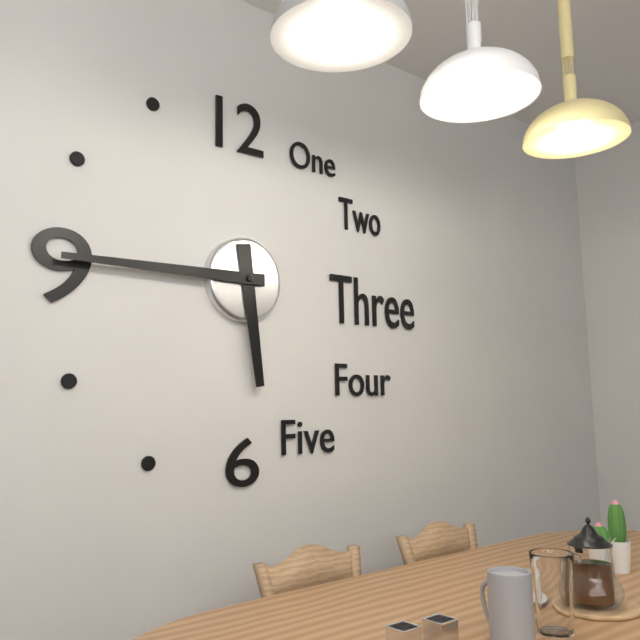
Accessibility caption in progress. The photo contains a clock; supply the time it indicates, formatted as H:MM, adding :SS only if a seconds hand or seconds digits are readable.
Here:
5:45
